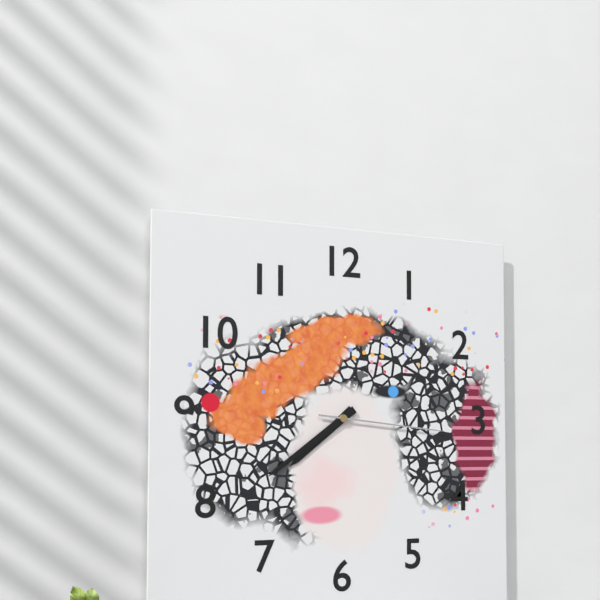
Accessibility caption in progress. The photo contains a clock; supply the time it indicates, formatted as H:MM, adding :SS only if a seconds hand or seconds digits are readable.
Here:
7:39:16
